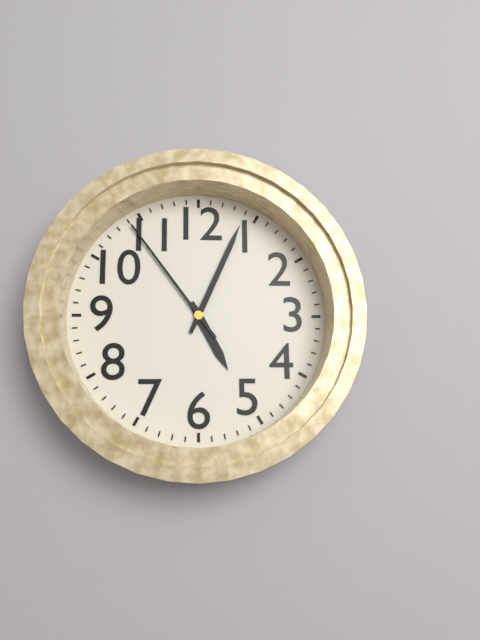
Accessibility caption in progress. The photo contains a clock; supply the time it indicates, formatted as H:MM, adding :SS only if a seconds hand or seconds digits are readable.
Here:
5:04:54
